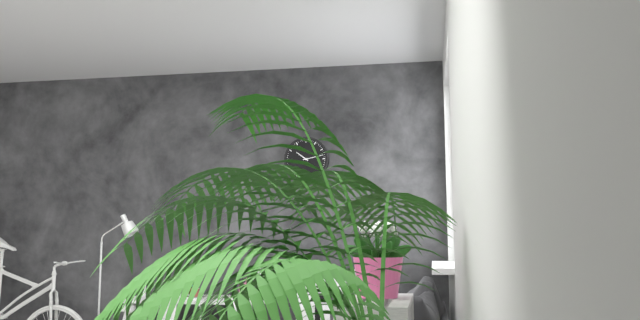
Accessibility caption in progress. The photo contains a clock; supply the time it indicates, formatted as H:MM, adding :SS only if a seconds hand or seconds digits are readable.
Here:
10:13
